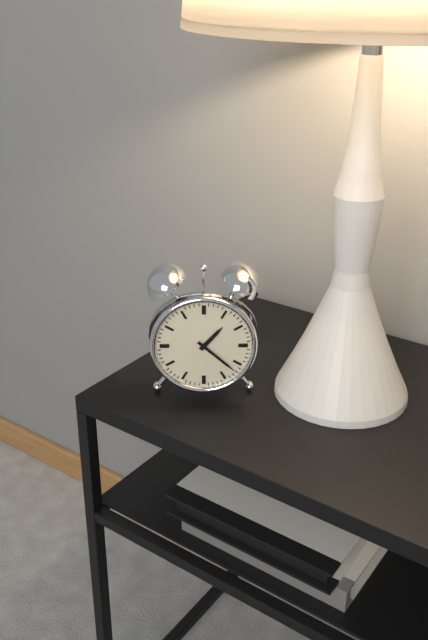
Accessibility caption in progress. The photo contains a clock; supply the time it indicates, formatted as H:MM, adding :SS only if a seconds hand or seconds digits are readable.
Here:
1:22
